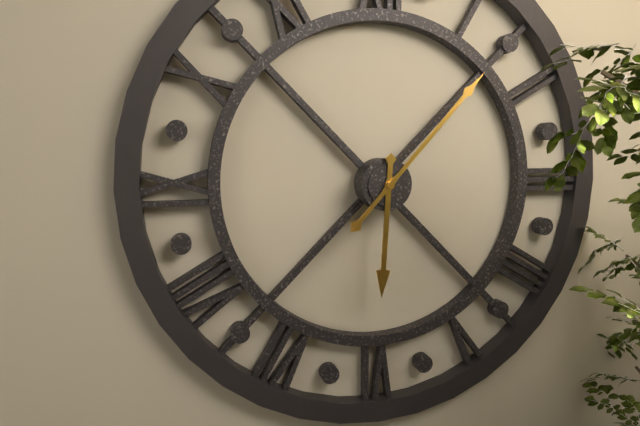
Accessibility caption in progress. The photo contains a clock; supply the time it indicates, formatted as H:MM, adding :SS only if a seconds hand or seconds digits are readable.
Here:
6:07
